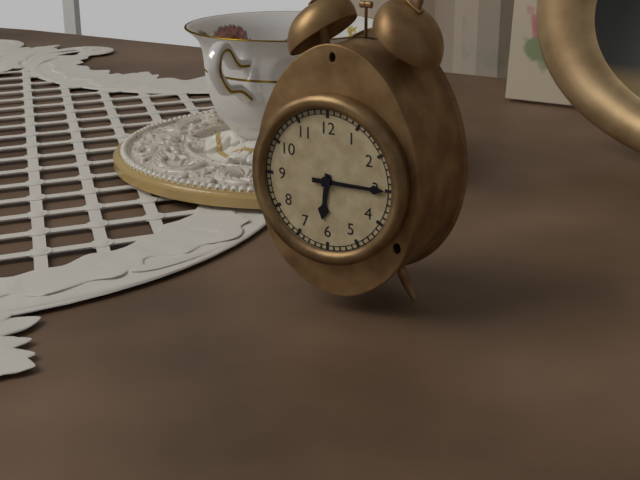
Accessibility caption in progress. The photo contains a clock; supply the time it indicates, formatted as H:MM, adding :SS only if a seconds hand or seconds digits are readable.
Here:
6:15
